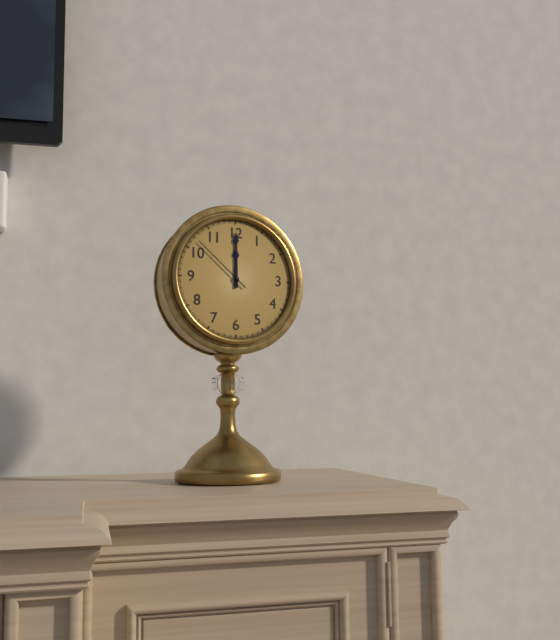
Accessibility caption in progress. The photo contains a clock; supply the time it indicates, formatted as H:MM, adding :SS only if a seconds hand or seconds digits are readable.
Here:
12:00:52
